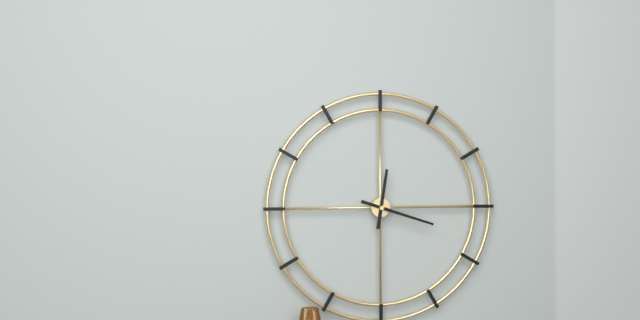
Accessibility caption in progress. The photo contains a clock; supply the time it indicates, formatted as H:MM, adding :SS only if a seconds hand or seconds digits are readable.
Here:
12:18
